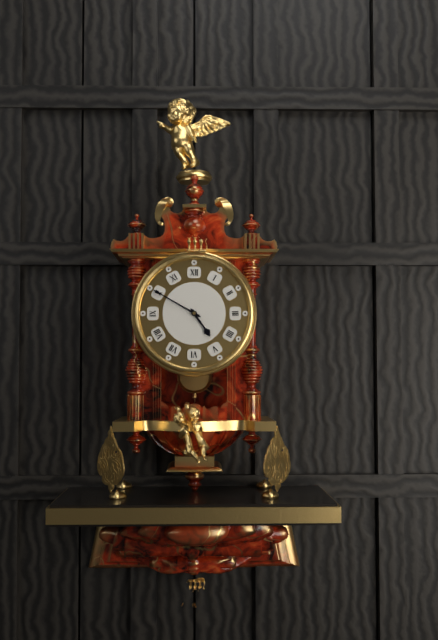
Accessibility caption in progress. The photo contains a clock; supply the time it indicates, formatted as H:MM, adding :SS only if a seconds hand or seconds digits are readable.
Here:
4:50
